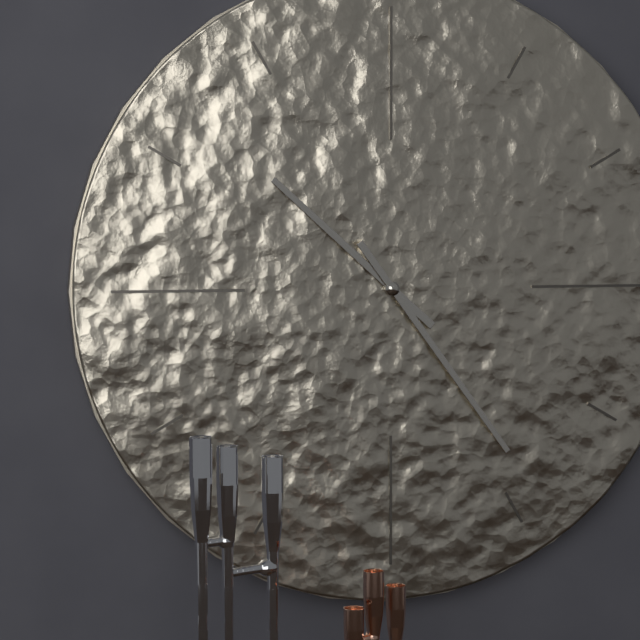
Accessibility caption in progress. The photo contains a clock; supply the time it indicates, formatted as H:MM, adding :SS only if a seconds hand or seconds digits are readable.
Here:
10:24
